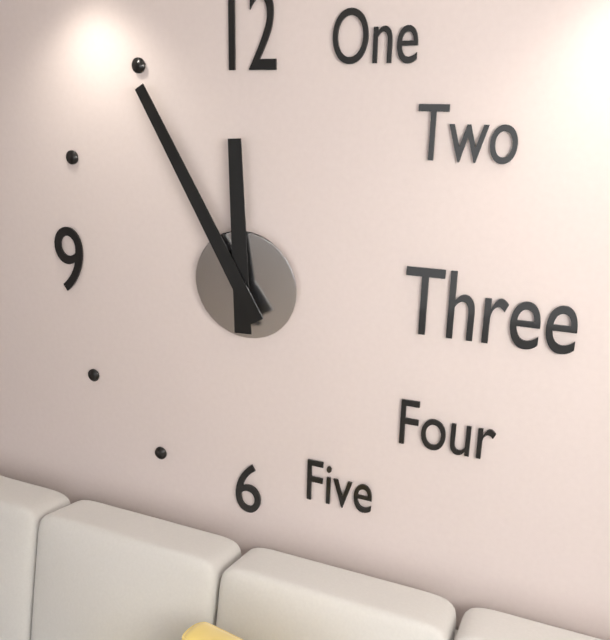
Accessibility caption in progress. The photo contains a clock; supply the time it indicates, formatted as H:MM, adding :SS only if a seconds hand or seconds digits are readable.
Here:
11:55
